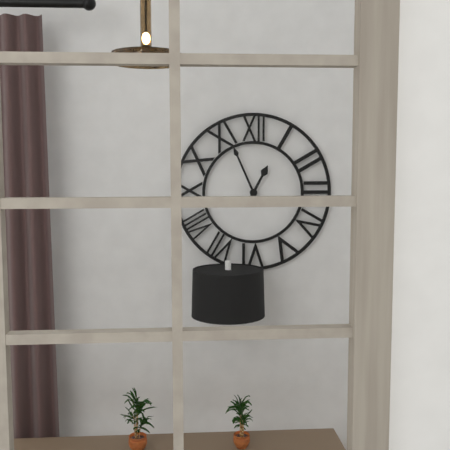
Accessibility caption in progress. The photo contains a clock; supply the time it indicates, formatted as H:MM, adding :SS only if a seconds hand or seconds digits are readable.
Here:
12:56
